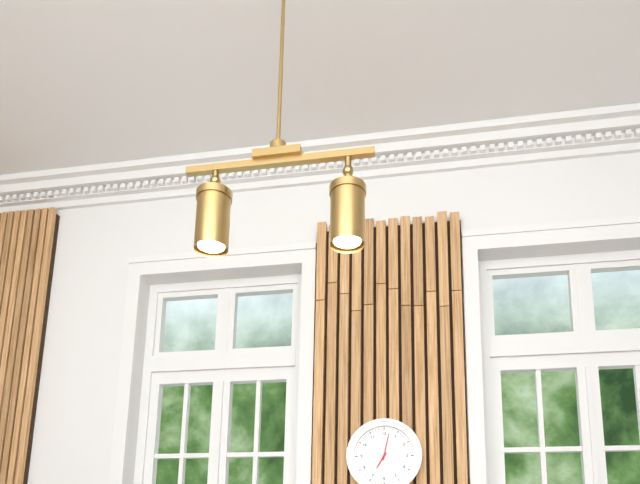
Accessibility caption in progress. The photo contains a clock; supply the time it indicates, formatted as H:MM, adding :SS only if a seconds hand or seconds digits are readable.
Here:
7:02
